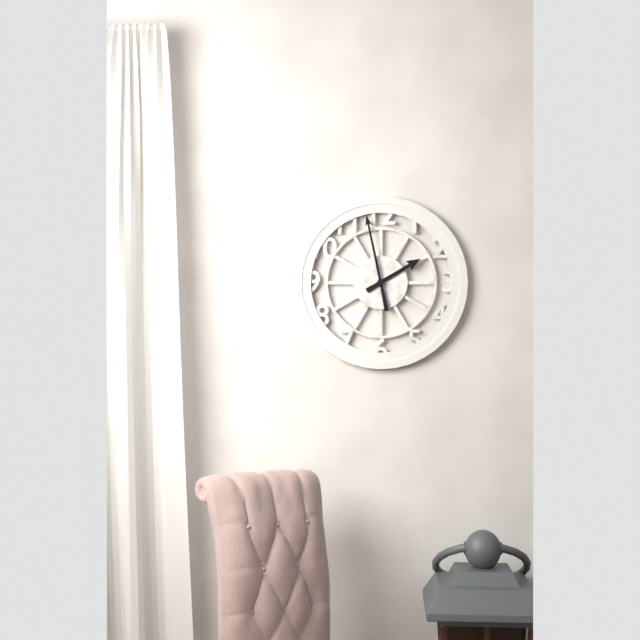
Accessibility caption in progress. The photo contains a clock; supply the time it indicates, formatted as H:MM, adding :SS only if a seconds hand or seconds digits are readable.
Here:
1:58
